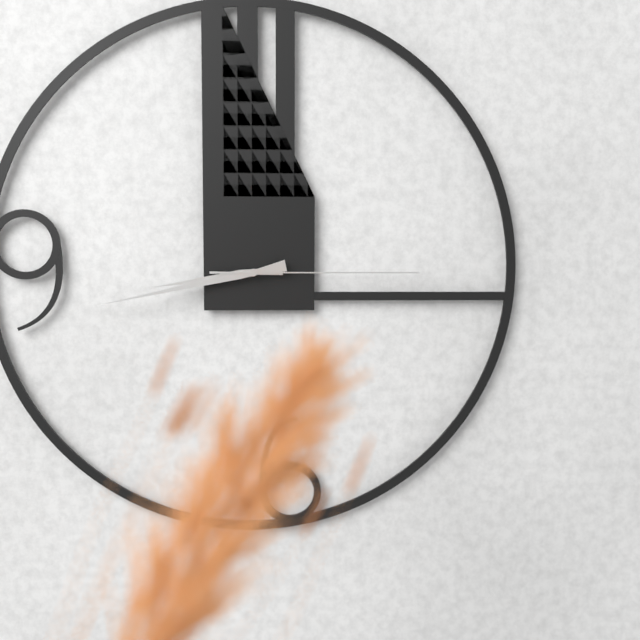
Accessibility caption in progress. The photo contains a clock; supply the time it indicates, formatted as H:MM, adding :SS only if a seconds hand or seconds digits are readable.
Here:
8:43:15
